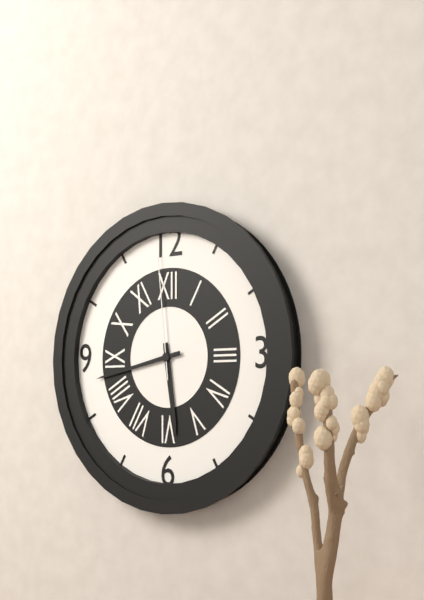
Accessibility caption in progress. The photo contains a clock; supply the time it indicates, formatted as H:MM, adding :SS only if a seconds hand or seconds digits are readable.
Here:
5:43:59
